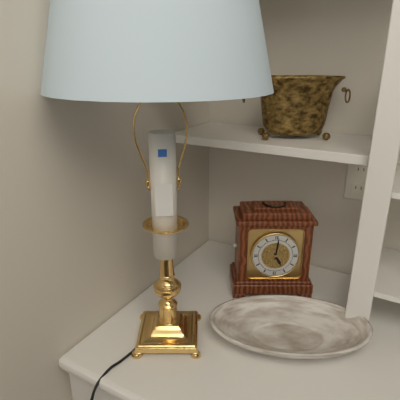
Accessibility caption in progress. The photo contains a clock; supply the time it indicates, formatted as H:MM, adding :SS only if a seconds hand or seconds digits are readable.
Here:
5:01
